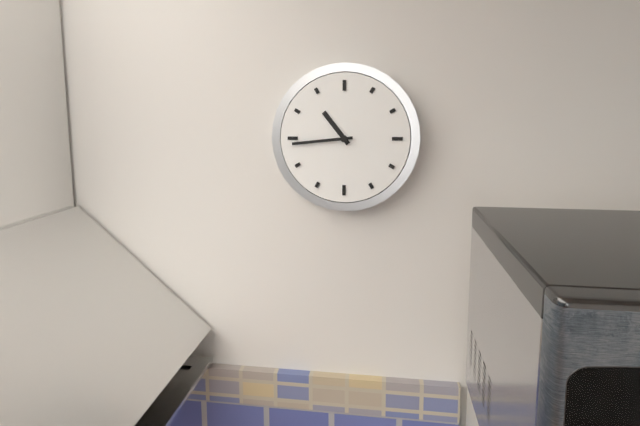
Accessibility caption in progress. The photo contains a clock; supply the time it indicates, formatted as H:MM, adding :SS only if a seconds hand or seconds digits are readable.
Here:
10:44
